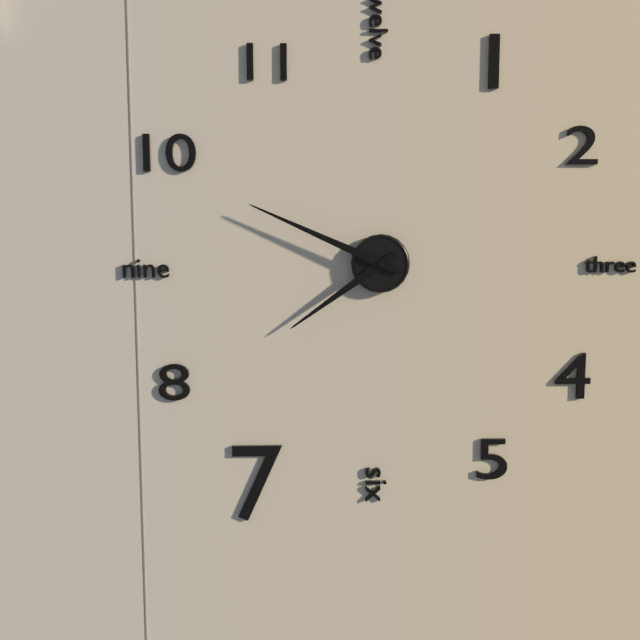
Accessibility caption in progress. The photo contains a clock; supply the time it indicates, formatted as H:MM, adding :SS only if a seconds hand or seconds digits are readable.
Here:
7:49
